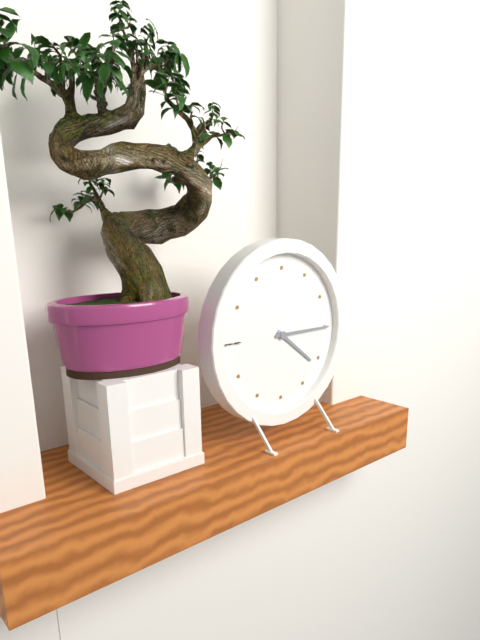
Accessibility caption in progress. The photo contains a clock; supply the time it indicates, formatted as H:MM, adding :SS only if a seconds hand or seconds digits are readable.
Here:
4:15
